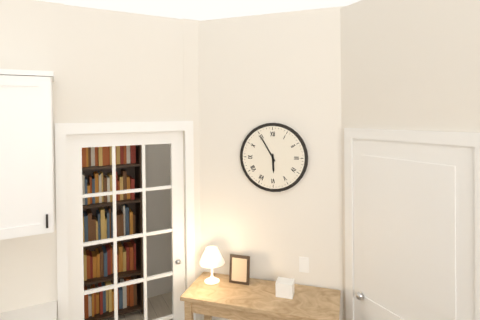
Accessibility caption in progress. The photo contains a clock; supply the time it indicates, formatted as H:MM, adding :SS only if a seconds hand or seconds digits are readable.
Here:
5:55
